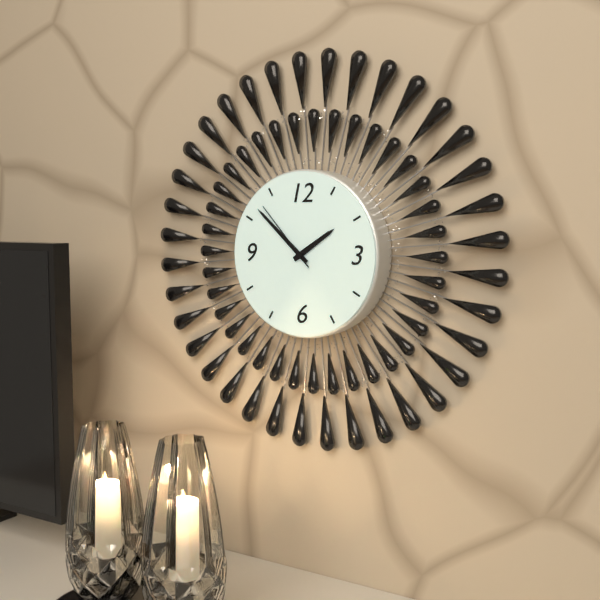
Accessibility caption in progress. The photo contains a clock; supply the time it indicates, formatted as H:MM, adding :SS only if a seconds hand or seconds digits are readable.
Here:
1:52:53
